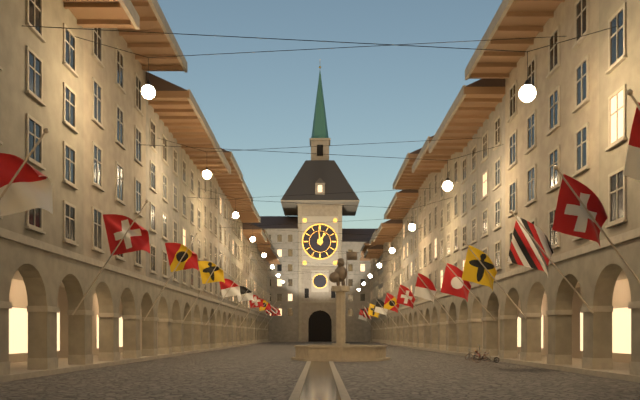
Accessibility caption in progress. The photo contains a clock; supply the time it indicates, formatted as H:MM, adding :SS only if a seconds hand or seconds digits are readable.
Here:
12:59
